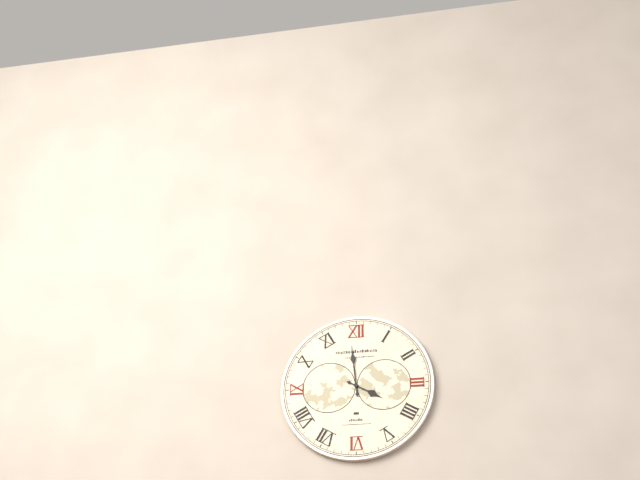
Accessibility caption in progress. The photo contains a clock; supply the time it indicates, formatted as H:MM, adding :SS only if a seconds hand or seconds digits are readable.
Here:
3:59
